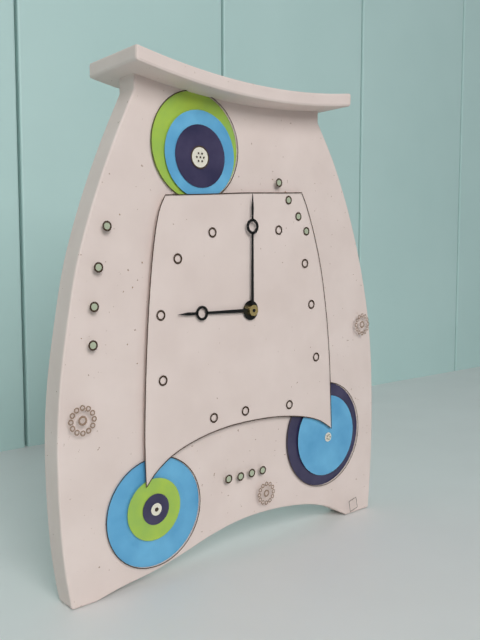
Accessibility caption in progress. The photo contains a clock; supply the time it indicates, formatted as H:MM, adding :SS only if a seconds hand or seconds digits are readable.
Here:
9:00
